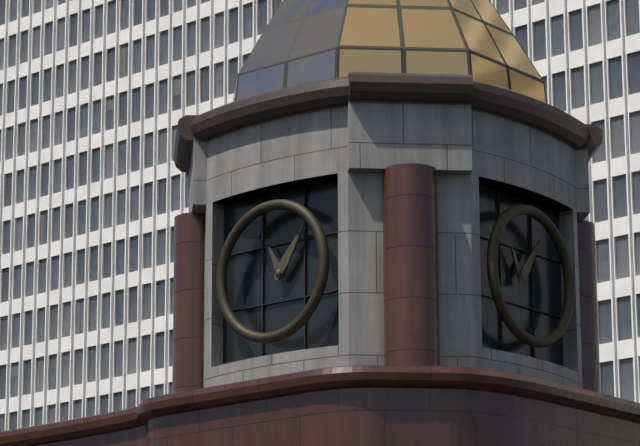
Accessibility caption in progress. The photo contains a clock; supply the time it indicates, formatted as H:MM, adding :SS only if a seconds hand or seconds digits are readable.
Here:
11:06
